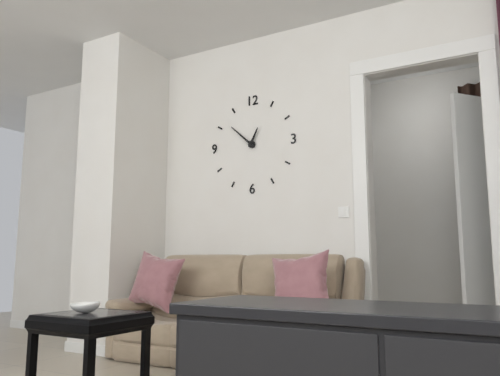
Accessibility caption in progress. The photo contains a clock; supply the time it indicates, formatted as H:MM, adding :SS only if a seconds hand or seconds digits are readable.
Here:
12:52
